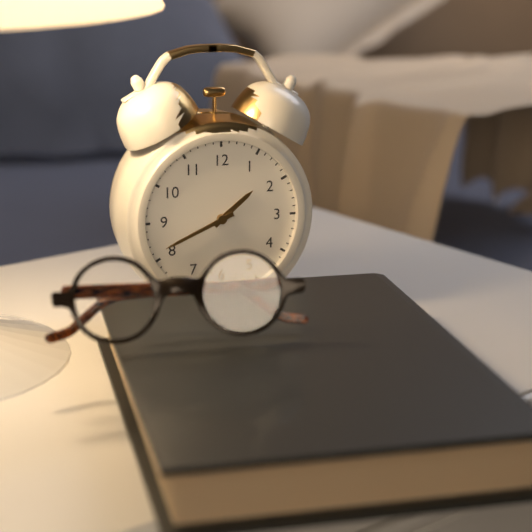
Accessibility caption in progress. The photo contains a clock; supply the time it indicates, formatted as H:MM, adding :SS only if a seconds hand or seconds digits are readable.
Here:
1:41
